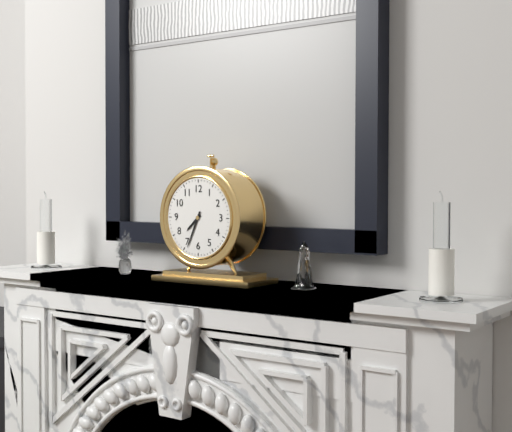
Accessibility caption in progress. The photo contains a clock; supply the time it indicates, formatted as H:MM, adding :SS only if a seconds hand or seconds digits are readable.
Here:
7:34
